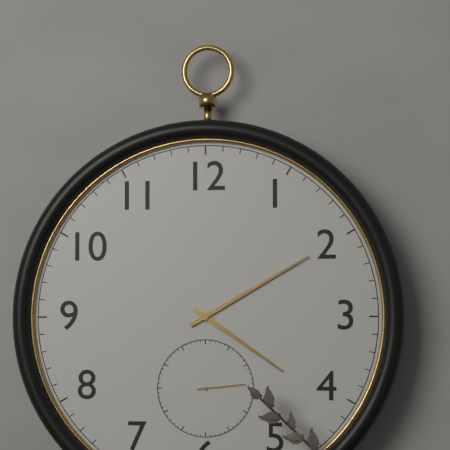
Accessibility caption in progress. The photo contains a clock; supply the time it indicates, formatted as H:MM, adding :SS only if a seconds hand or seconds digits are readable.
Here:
4:10:14
